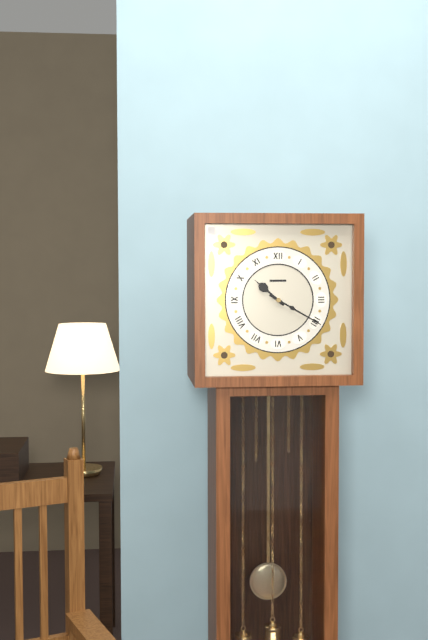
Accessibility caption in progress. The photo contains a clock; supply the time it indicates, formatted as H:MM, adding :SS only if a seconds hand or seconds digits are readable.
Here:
10:20
